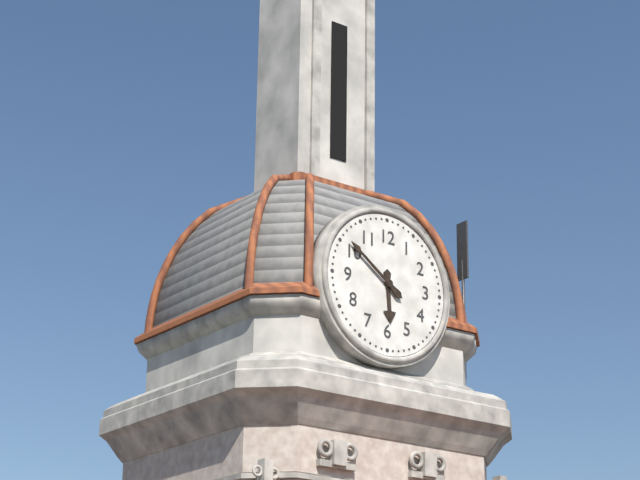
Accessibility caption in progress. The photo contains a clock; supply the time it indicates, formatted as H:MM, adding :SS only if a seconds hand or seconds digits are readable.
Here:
5:51
